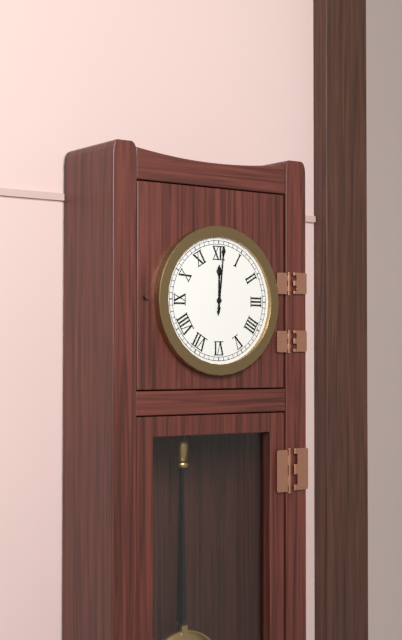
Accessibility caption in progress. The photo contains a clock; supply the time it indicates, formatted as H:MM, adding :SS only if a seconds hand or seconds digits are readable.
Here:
12:01
